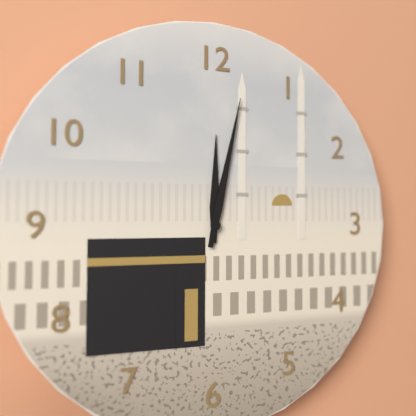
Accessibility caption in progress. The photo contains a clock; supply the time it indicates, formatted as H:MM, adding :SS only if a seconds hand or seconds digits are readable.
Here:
12:02
